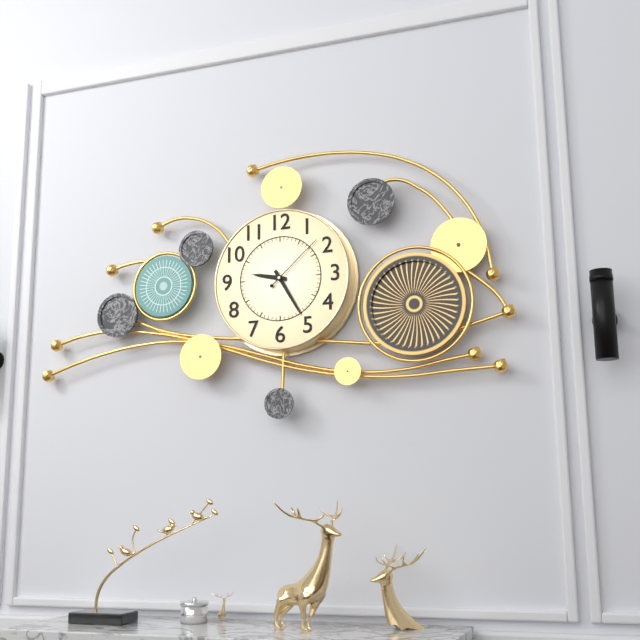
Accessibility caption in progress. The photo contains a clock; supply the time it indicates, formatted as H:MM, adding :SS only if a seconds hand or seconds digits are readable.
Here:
9:25:08
